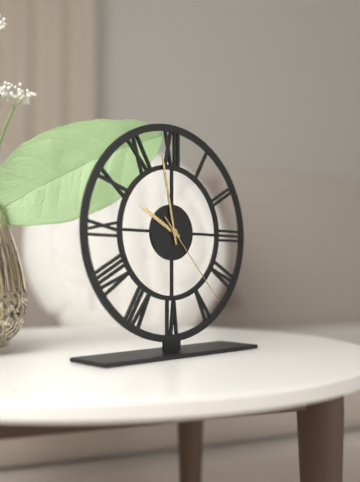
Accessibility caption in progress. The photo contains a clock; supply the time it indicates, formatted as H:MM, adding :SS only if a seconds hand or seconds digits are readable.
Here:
9:58:23
